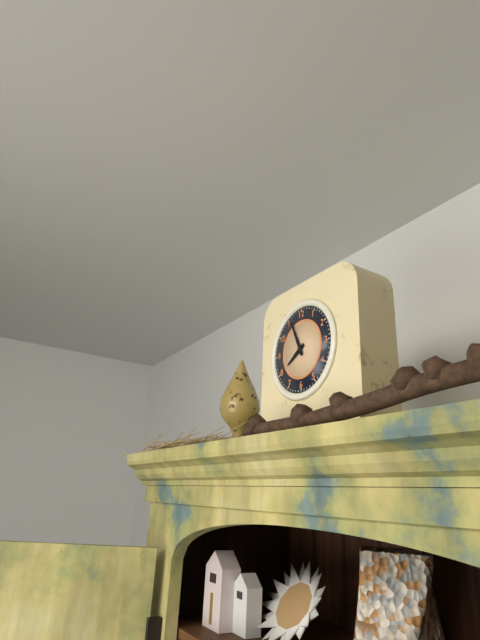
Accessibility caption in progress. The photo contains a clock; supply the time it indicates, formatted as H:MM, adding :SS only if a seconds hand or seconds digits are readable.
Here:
7:56
